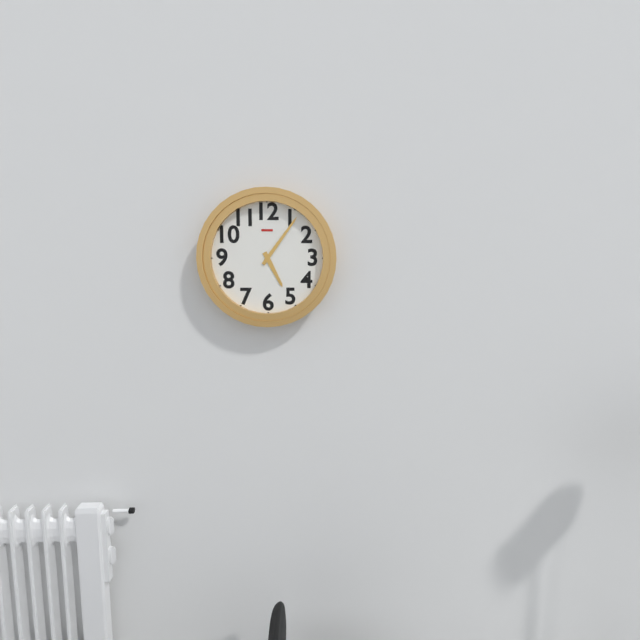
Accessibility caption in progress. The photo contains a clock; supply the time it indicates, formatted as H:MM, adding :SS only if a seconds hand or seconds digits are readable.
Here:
5:06
